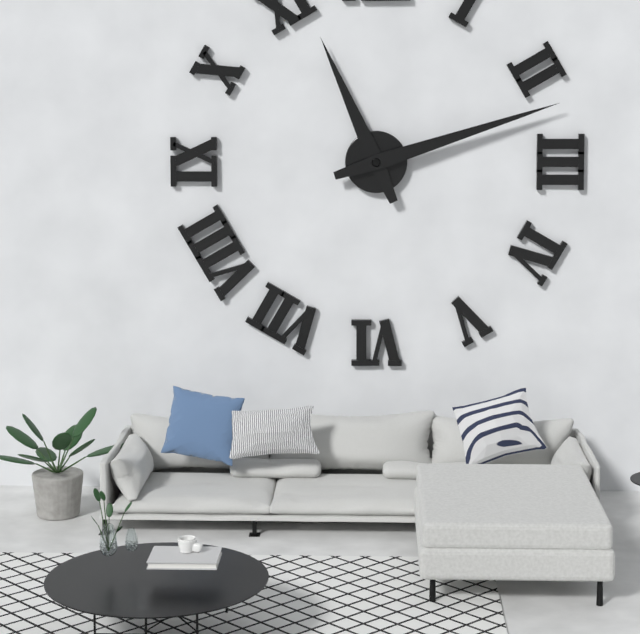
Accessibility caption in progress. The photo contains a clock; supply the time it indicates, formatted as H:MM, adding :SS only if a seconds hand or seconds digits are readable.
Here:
11:12
